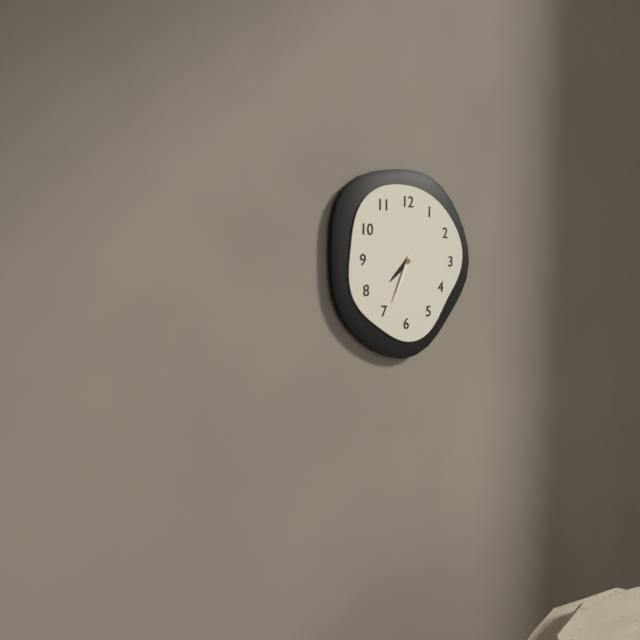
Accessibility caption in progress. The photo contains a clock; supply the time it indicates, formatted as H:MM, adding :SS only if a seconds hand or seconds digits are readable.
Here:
7:34
